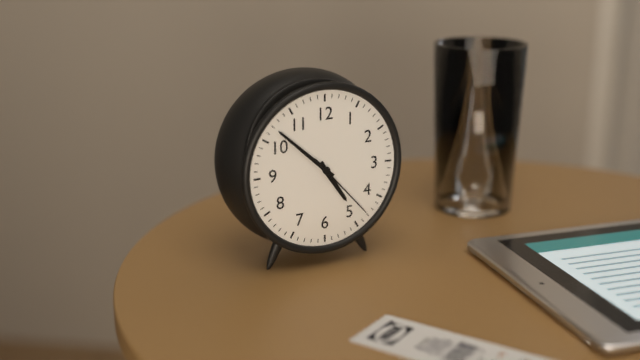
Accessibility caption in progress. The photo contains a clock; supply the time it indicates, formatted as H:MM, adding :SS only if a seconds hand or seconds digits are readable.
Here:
4:52:23
